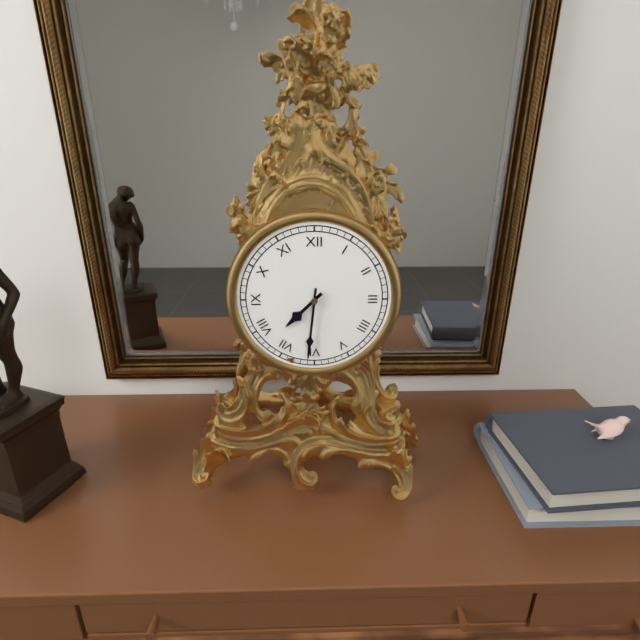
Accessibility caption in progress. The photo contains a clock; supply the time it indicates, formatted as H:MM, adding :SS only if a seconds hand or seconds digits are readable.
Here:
7:31
